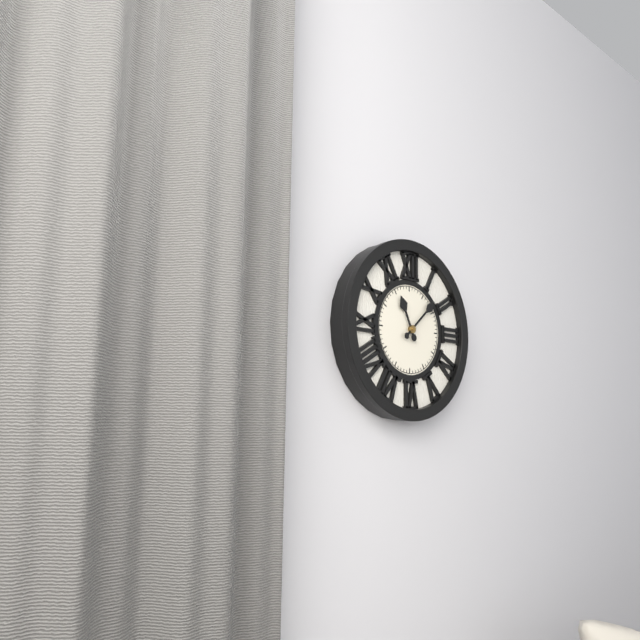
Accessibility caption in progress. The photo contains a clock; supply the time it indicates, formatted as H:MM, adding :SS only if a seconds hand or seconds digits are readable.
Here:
11:08
